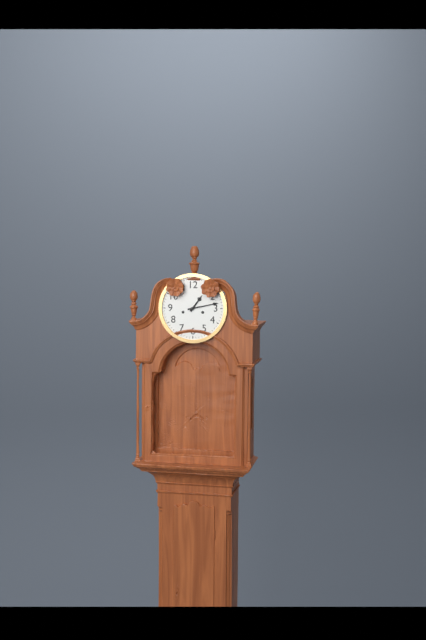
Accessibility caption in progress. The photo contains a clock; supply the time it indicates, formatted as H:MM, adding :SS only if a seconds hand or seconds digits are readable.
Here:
1:13
